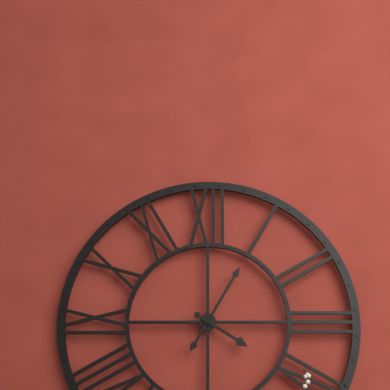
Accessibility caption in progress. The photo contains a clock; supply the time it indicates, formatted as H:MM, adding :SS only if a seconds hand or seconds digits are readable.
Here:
4:05
